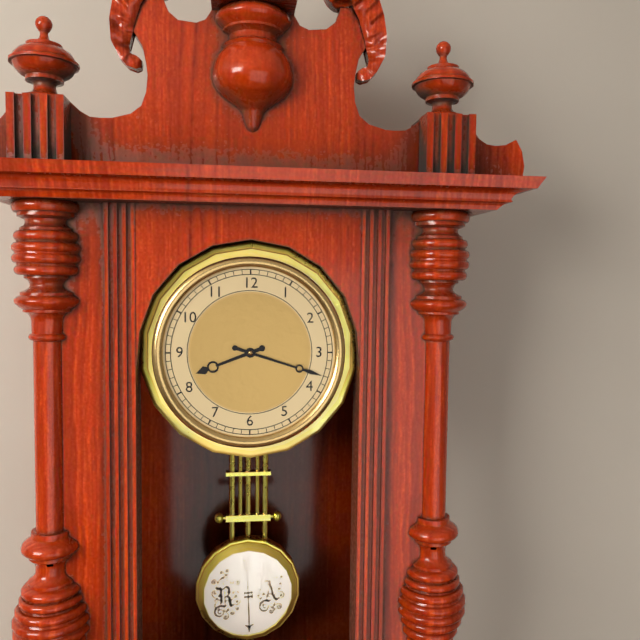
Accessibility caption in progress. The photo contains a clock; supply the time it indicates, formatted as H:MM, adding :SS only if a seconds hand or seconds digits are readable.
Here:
8:18
